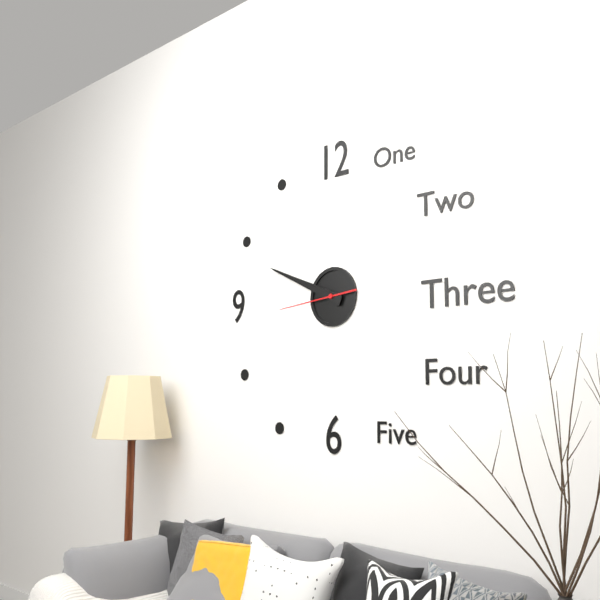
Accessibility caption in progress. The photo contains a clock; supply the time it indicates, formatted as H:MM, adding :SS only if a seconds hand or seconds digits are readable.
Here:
9:49:44
